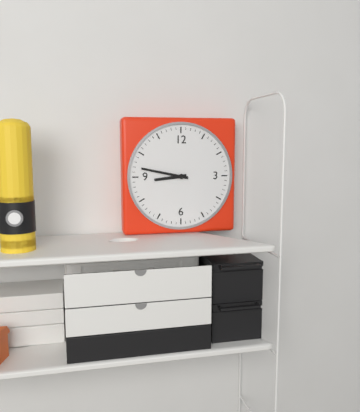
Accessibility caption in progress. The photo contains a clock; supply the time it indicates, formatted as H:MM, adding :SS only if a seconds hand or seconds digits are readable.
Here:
8:47
